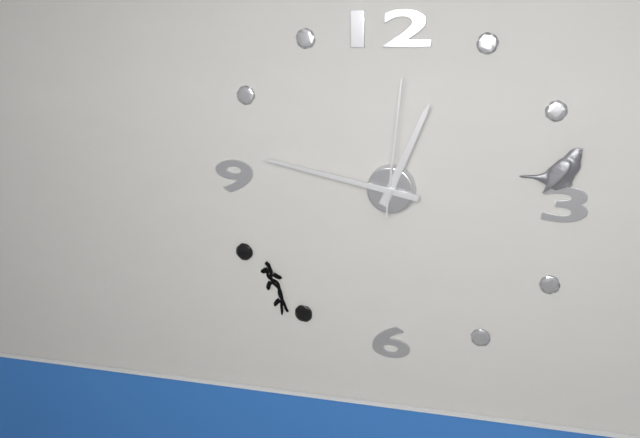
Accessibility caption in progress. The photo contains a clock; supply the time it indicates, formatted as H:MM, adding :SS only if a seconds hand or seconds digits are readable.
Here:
12:47:01
